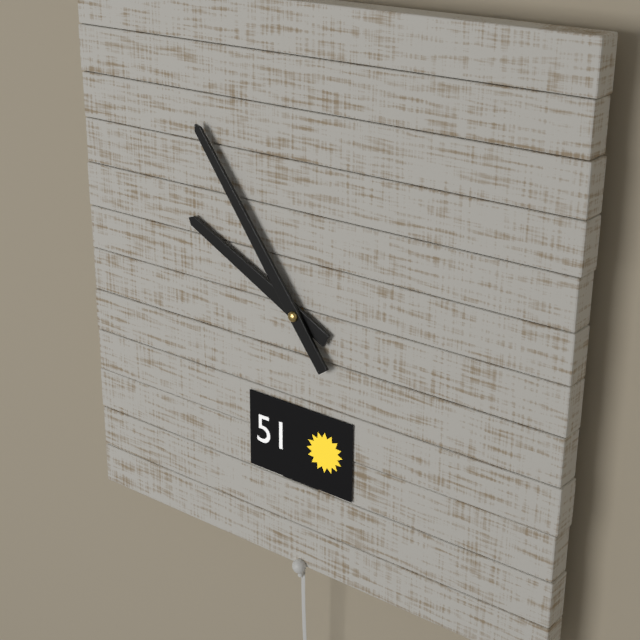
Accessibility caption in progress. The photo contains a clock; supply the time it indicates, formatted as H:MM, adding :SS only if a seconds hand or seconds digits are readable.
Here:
9:54
